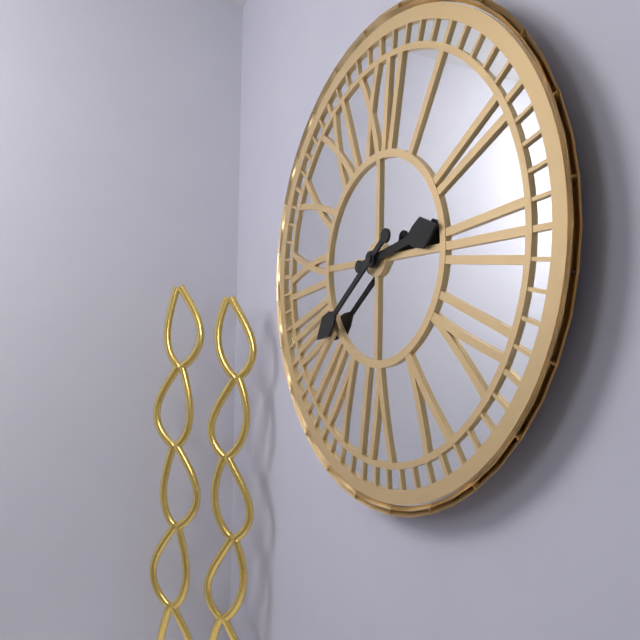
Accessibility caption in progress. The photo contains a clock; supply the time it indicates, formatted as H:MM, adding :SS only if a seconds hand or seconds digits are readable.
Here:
2:39
